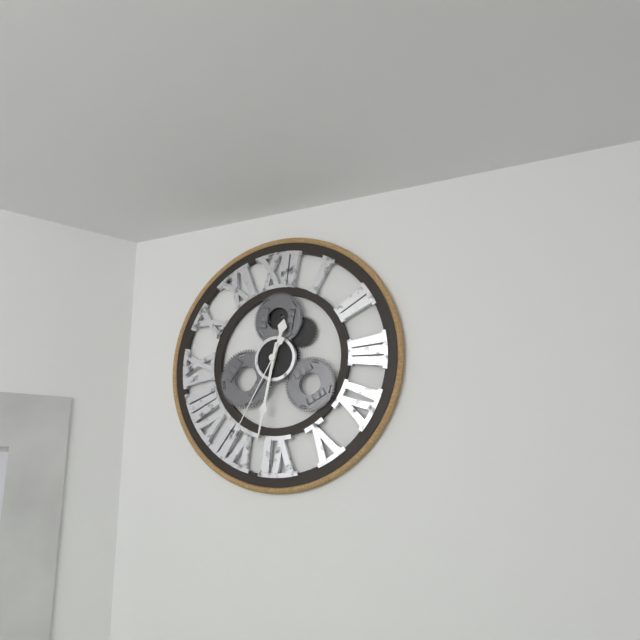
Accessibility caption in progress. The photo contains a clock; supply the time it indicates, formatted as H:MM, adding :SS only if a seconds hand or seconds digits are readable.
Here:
12:32:35
